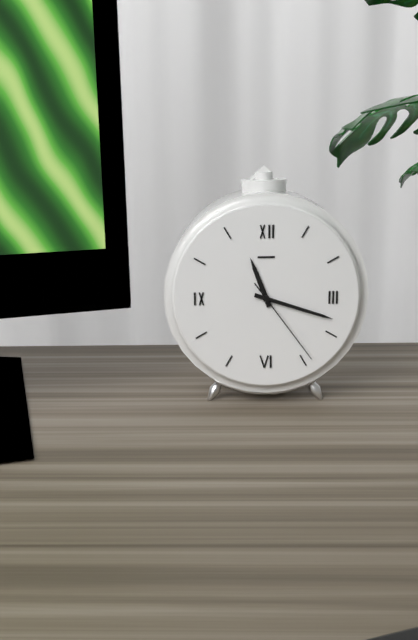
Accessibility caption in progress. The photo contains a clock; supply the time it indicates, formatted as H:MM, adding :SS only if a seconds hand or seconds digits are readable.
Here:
11:18:24
